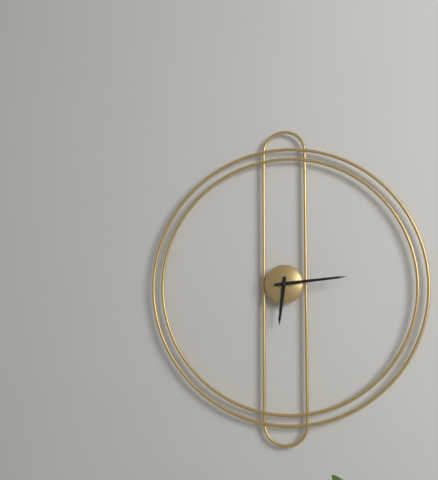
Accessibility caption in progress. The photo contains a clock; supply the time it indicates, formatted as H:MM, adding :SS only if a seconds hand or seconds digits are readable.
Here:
6:14
